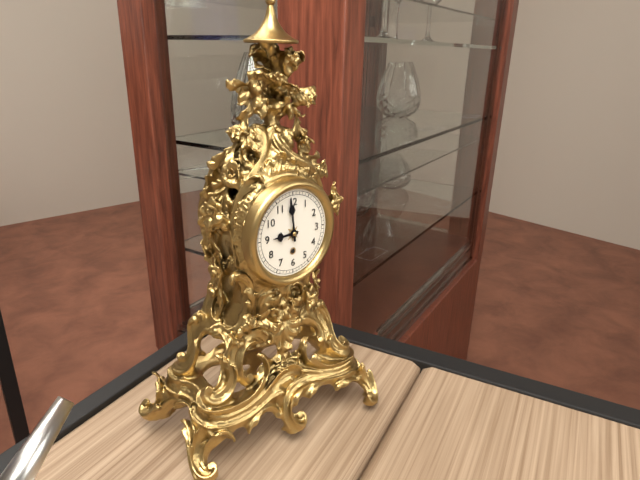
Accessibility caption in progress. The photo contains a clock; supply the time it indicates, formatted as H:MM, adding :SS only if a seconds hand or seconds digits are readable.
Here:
8:59
